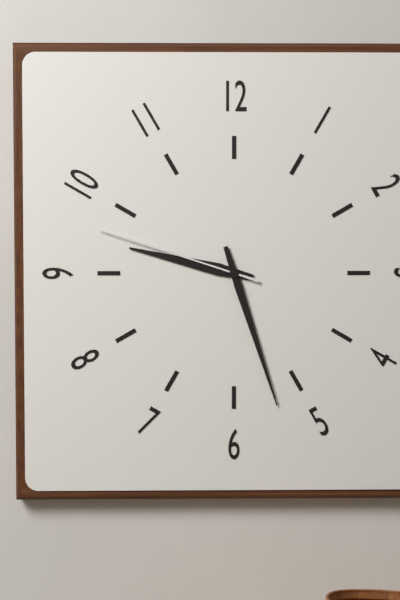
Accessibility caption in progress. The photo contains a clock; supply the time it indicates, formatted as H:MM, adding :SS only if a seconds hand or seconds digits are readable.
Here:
9:27:48
